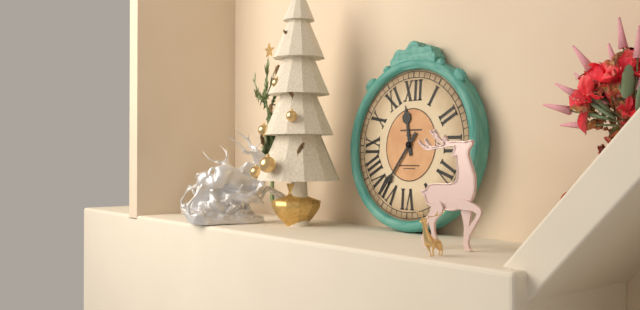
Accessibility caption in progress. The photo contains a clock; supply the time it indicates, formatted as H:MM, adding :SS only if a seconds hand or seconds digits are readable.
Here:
11:36
